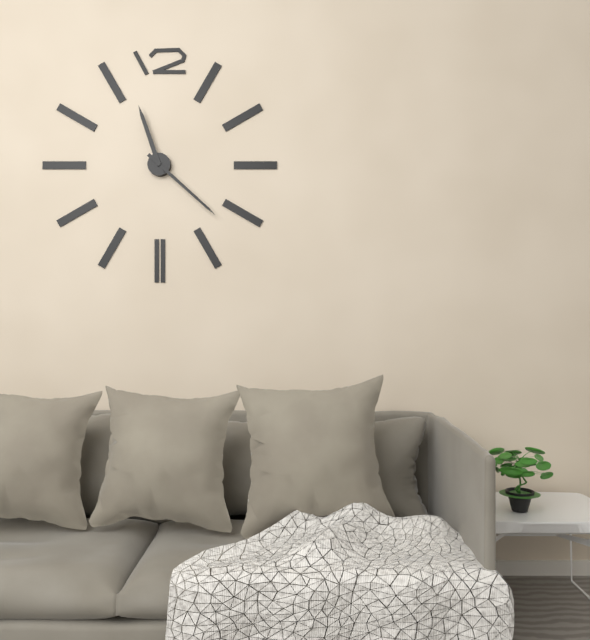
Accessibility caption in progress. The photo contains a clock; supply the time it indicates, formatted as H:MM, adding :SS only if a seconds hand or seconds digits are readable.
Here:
11:22
